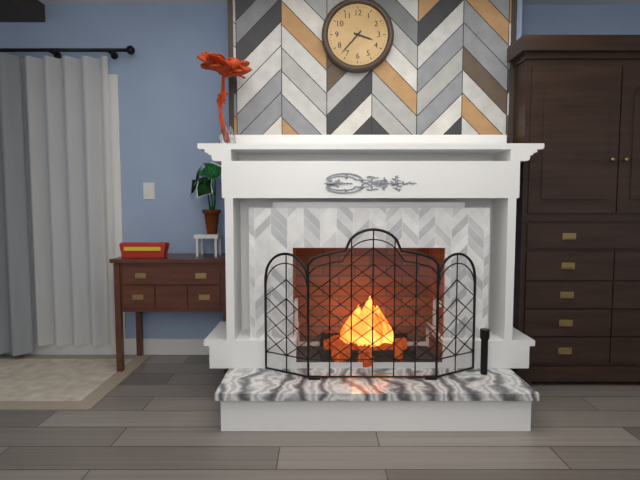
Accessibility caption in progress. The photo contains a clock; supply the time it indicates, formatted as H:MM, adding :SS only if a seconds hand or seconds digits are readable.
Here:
3:37
